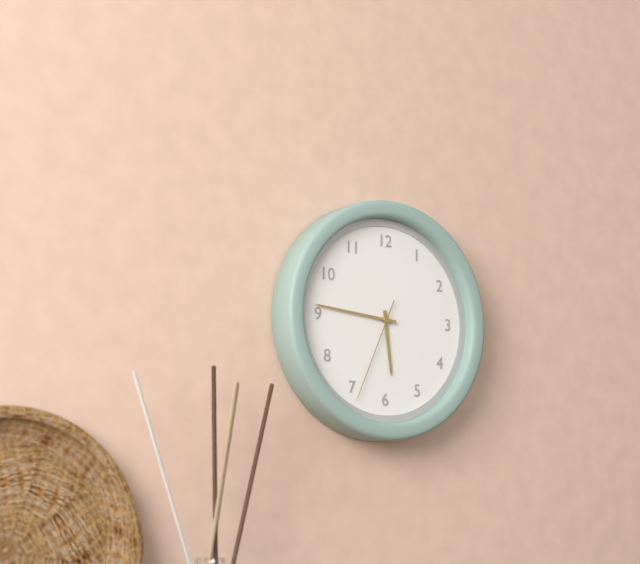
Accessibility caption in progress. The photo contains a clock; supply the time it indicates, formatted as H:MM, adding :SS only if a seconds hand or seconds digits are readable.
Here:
5:46:34
